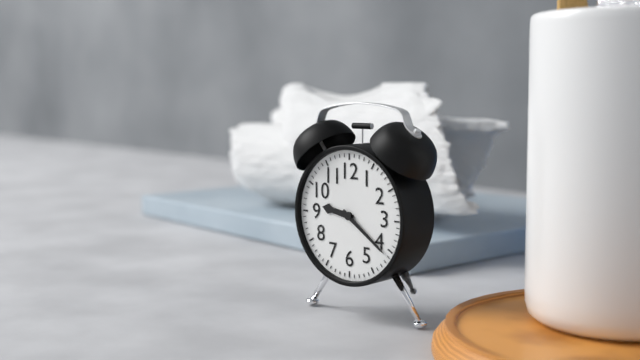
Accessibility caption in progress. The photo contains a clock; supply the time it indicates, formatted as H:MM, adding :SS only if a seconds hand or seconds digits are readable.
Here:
9:21
